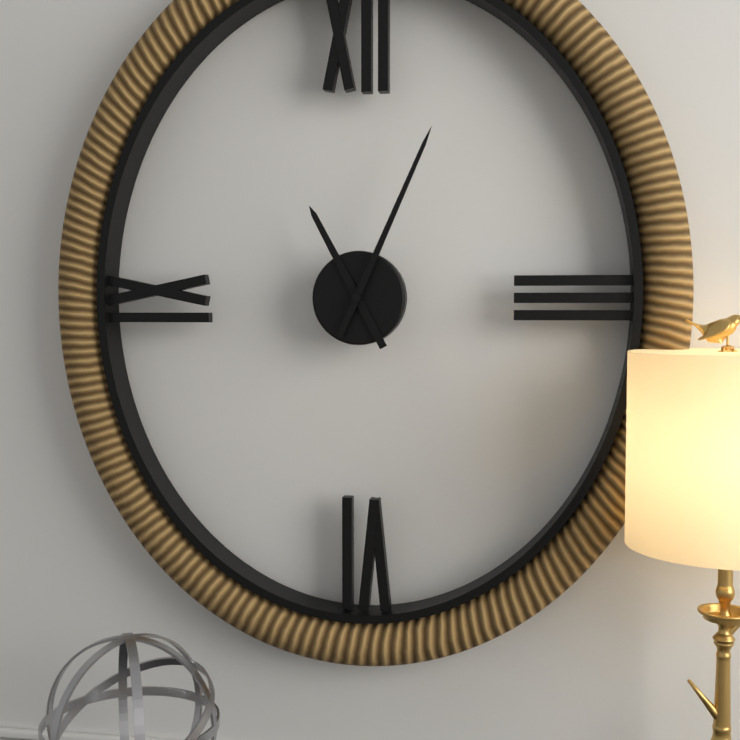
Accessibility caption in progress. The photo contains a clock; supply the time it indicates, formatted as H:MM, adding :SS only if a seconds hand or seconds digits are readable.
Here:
11:04
